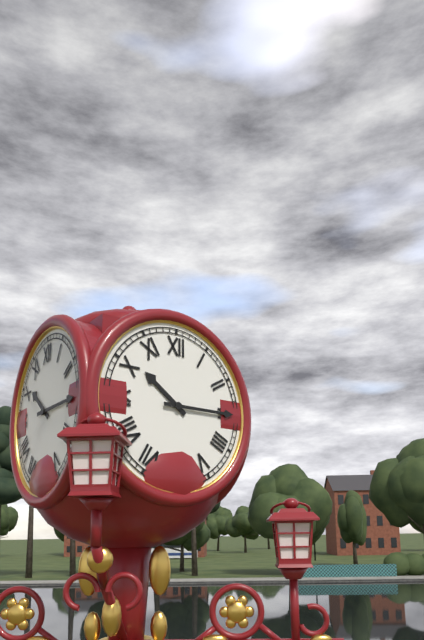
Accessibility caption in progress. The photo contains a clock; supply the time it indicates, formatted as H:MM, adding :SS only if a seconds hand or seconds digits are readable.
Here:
10:15
